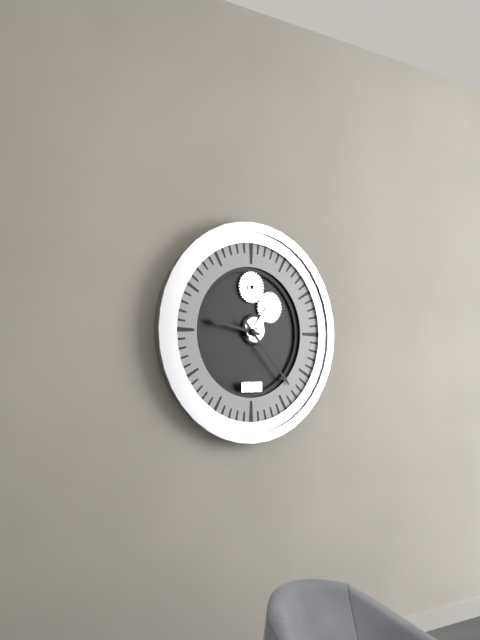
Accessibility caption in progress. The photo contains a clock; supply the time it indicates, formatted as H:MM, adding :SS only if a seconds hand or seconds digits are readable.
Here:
9:23
